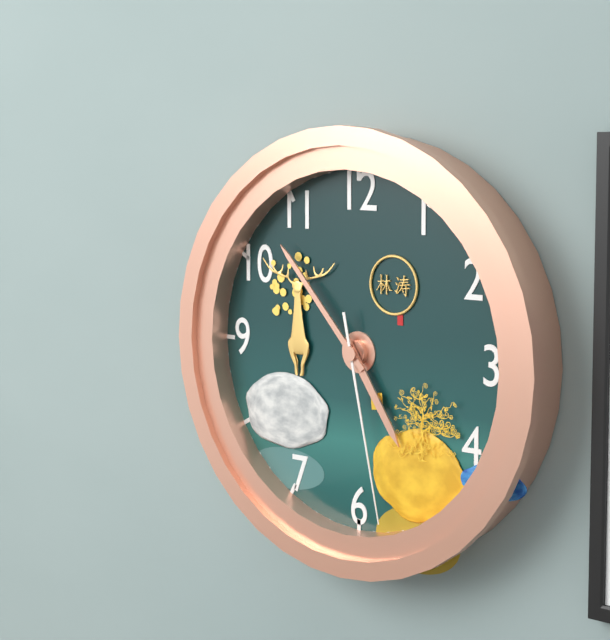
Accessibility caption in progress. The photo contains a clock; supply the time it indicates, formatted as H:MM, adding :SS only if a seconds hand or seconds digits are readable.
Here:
4:53:28
